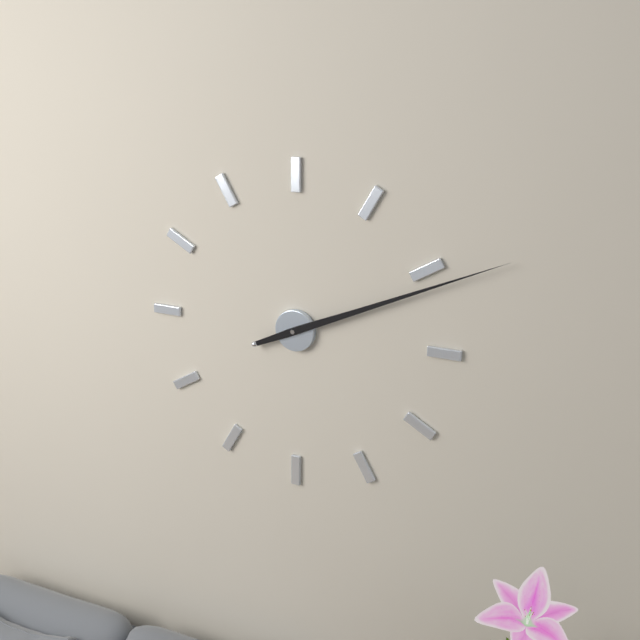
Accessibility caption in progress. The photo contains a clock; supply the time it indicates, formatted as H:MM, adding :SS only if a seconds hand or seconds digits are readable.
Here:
2:11
